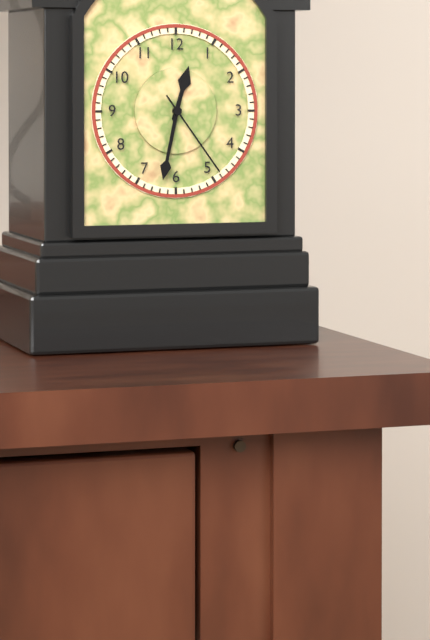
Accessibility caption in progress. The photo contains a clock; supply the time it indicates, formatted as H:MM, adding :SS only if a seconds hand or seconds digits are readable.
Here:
12:32:24
